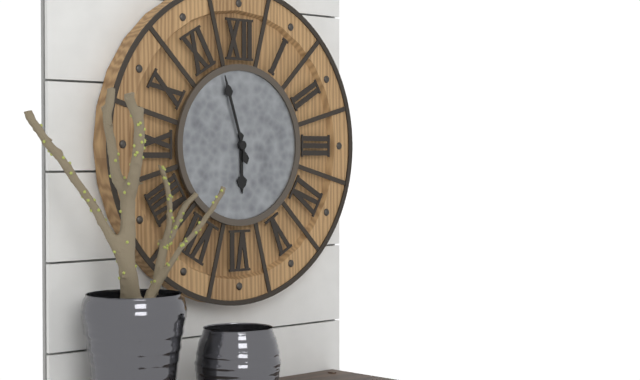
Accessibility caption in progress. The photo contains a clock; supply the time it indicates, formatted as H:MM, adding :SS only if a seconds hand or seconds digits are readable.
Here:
5:57
